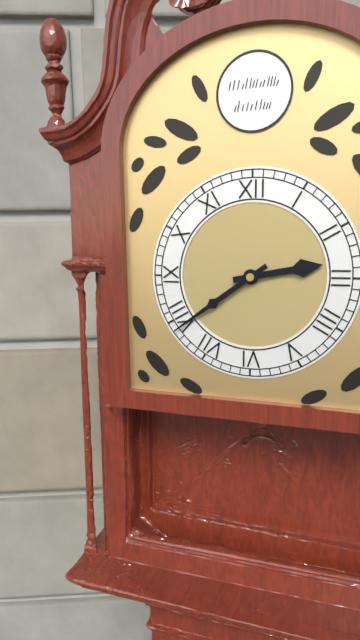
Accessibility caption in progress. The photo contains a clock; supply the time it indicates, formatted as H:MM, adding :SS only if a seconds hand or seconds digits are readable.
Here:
2:39
